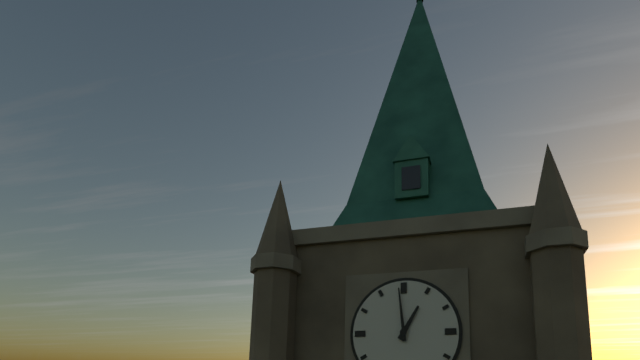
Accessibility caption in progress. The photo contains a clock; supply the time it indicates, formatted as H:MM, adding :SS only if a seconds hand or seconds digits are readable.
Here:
12:59
